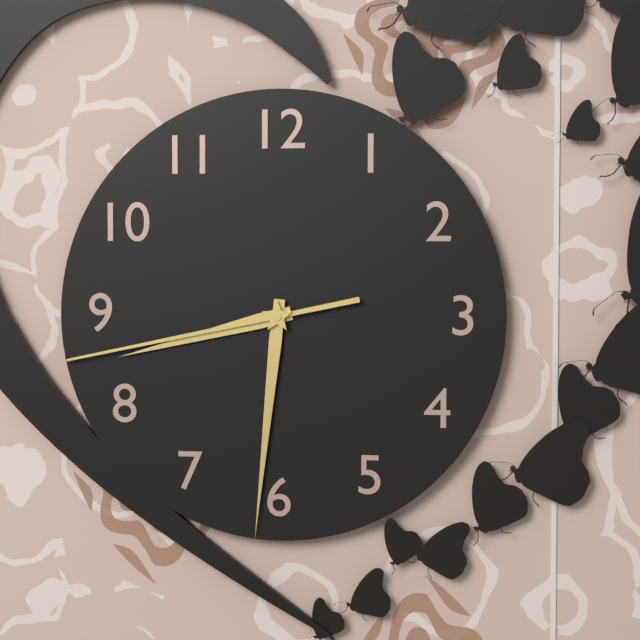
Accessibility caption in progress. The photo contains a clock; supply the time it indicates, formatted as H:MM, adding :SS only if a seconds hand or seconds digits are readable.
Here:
8:31:43
